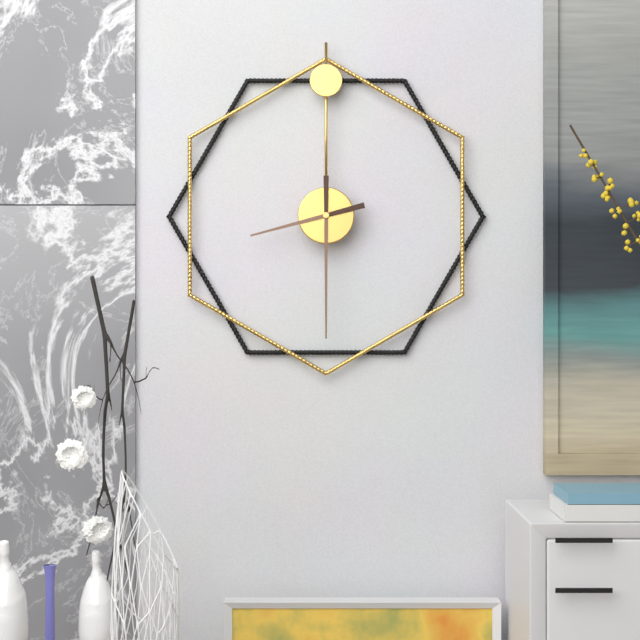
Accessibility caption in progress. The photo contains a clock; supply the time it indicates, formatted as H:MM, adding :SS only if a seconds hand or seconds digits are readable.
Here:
8:30
